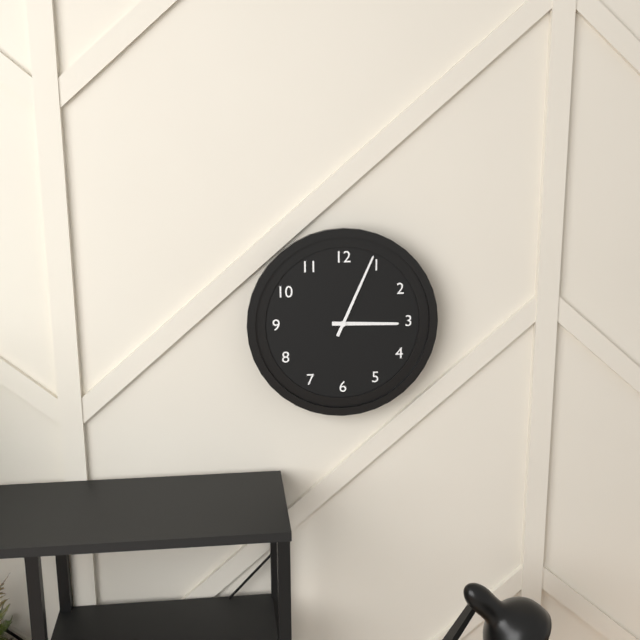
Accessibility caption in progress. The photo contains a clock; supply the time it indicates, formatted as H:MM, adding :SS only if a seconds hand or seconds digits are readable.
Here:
3:04
